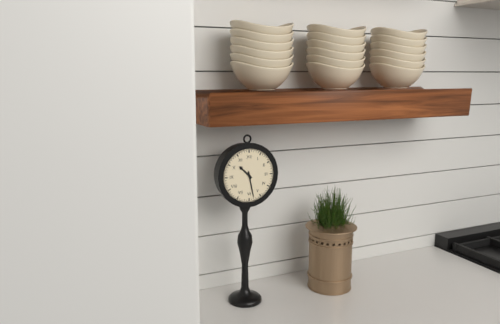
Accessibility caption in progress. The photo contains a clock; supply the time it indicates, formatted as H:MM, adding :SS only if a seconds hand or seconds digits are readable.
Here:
10:28
